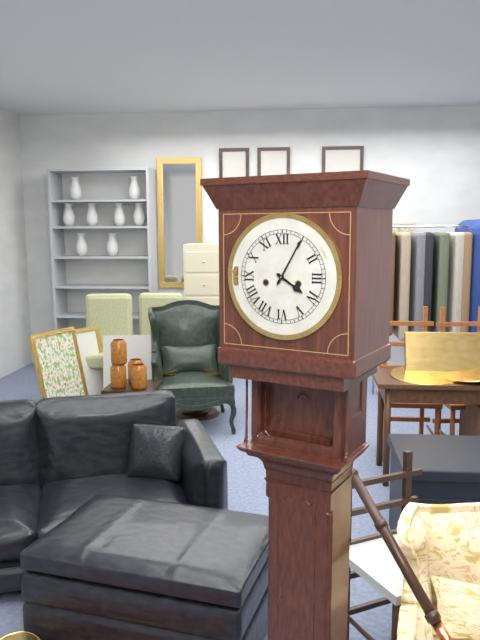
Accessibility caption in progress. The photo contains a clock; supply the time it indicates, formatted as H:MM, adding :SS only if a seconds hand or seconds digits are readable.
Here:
4:05
